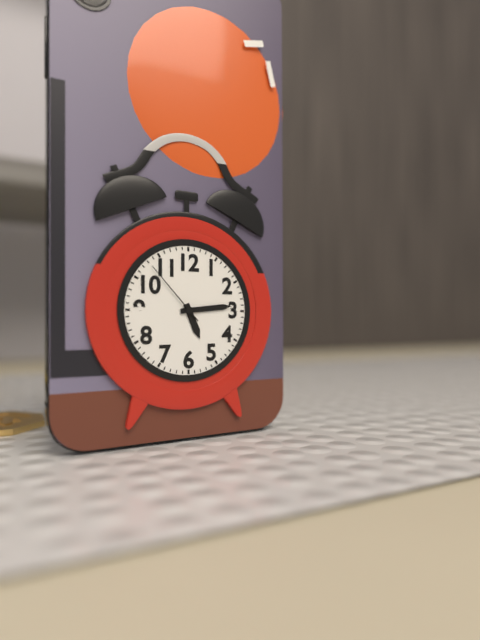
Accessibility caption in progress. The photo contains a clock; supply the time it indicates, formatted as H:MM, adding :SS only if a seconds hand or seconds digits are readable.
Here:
5:14:53
